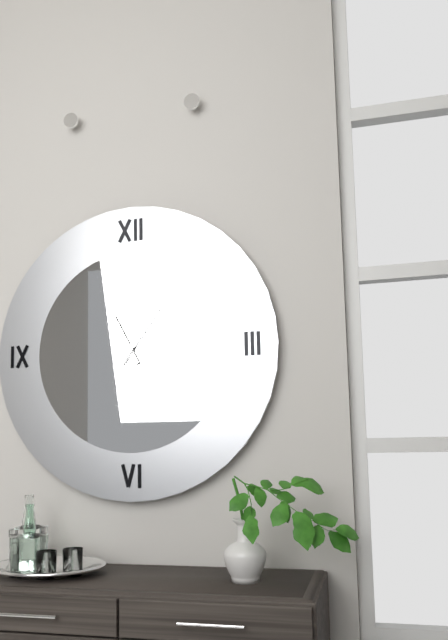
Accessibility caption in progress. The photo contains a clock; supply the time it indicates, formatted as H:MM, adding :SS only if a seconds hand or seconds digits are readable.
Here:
11:06
